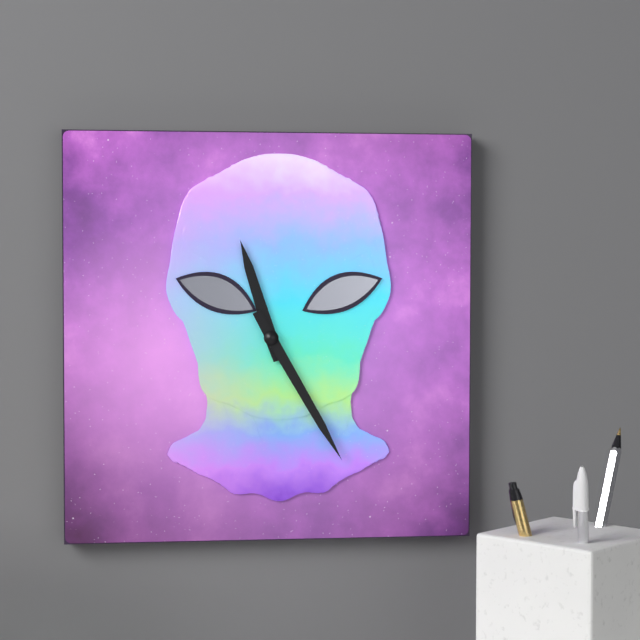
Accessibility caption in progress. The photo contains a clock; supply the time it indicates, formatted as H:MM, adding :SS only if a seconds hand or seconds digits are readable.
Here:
11:25
